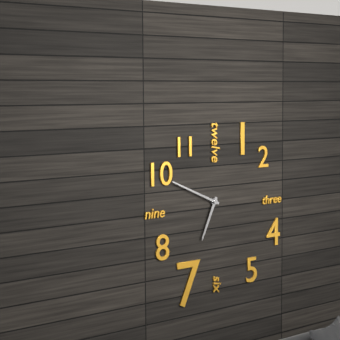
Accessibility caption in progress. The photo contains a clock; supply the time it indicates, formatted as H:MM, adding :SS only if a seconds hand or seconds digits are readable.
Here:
6:49
